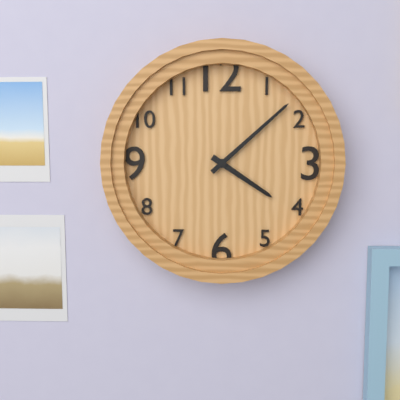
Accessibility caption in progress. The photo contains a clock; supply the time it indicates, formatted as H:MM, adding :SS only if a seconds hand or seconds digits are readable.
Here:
4:08
